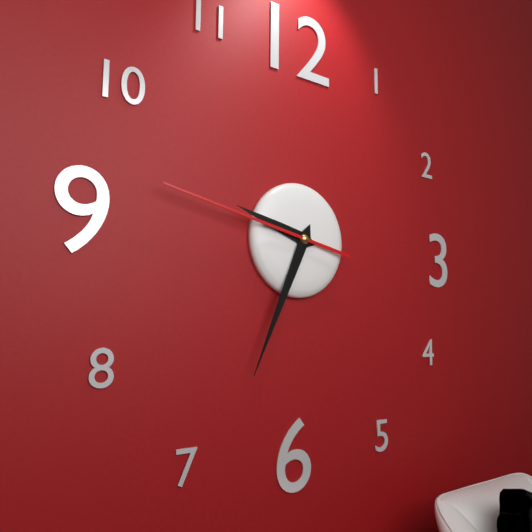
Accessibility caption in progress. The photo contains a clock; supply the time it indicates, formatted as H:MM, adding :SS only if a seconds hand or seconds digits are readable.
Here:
9:34:47
